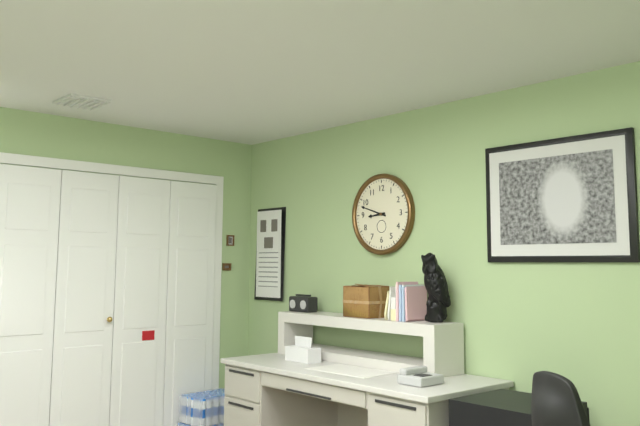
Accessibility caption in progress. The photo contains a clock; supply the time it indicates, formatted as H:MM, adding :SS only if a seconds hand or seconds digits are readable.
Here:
8:48
